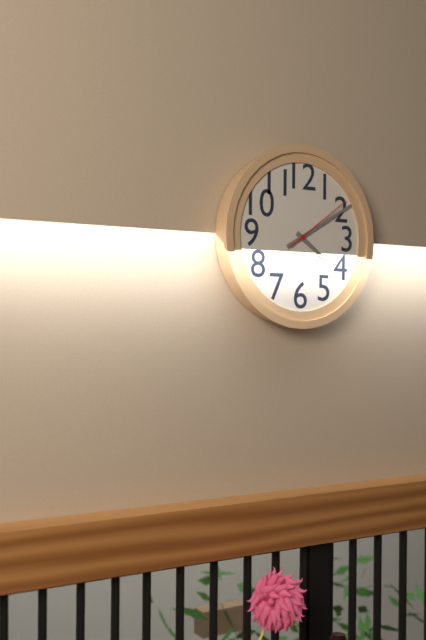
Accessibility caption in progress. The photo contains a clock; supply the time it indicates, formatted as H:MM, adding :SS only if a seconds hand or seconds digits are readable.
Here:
4:10:09
